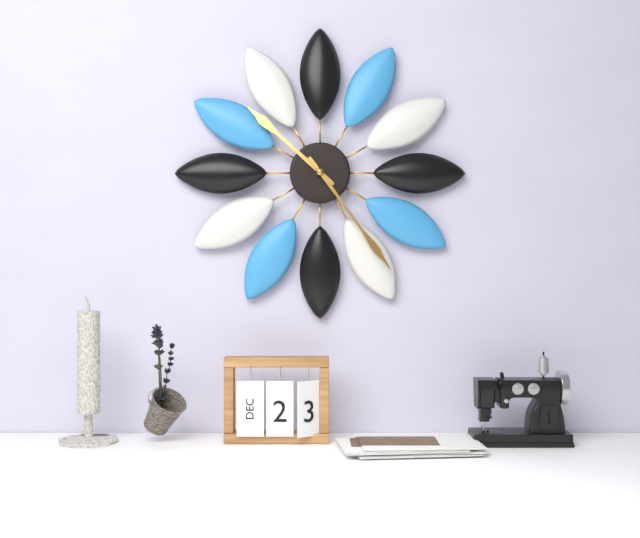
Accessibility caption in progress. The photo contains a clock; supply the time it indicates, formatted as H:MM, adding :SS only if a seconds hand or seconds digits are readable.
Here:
10:24
